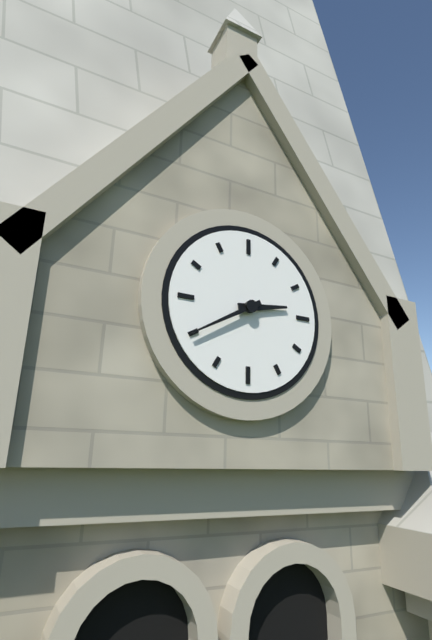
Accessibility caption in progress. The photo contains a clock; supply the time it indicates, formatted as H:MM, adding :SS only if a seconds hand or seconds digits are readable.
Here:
2:40
